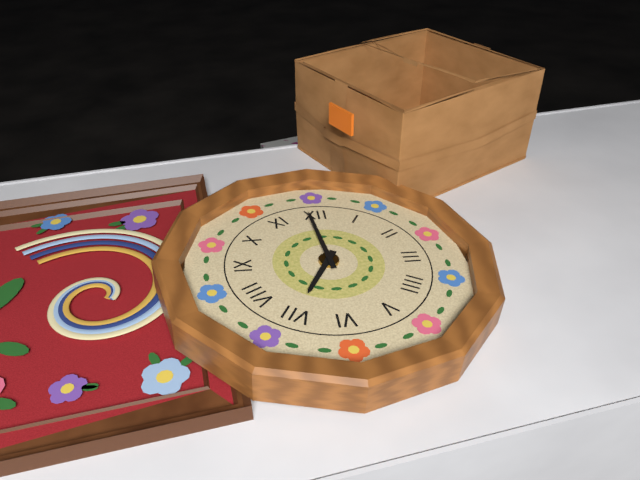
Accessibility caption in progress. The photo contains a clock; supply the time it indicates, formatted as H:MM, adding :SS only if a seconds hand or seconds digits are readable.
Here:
6:59
